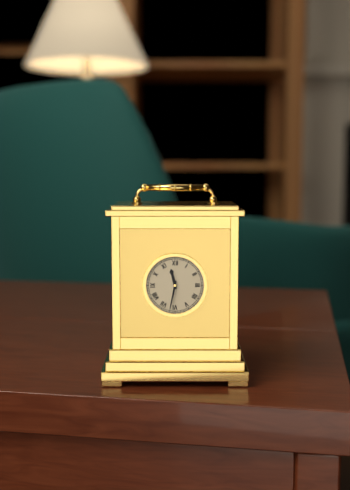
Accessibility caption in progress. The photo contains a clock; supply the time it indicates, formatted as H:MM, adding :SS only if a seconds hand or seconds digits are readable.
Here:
11:32
